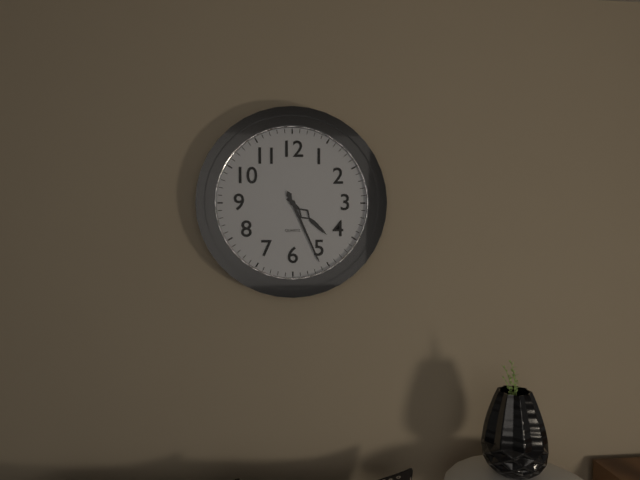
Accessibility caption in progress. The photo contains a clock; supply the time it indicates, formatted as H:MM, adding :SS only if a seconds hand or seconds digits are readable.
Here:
4:26
